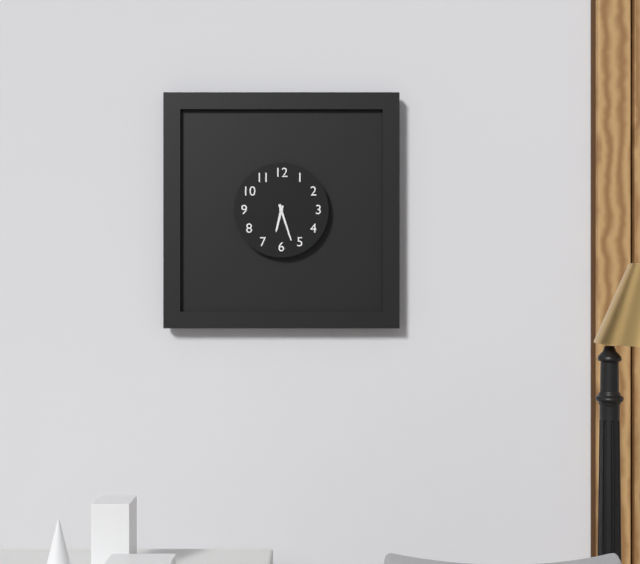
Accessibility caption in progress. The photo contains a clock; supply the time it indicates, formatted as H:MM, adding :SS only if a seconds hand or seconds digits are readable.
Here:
6:27
